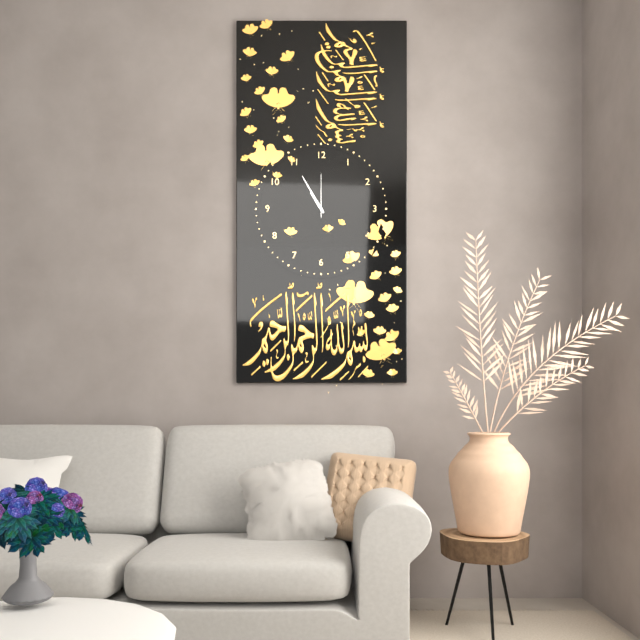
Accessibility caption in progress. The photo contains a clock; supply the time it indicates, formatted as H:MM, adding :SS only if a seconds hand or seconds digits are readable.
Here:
10:55
